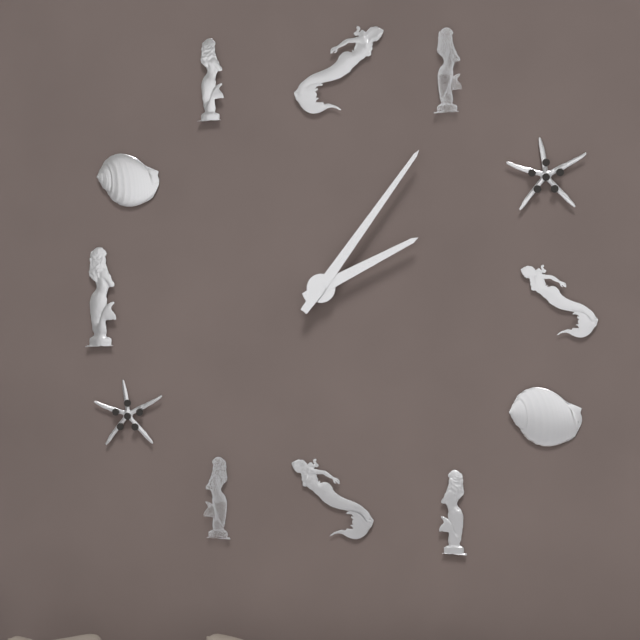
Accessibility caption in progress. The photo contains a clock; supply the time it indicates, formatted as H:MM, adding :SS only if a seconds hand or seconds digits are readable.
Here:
2:06
